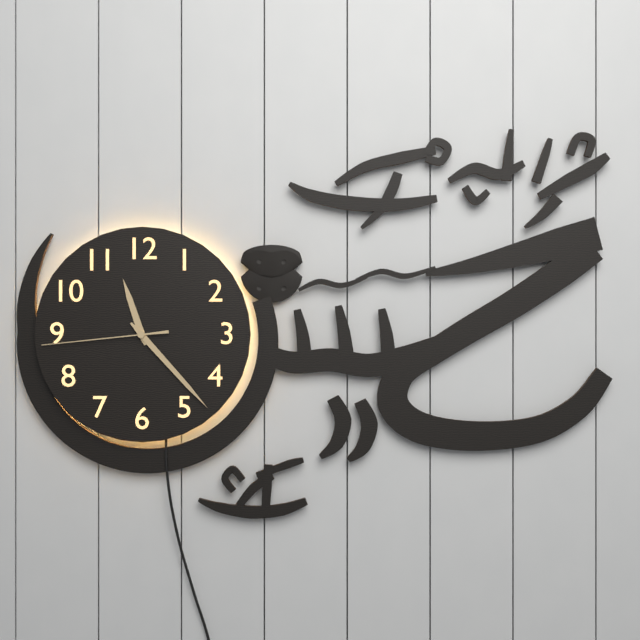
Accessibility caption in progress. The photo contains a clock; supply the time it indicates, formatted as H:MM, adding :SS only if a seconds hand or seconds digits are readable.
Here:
11:23:44
